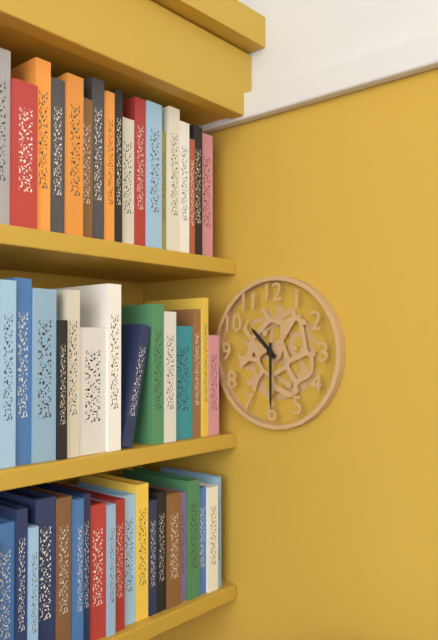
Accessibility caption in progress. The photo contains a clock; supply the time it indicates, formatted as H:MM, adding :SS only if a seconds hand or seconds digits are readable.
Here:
10:30
